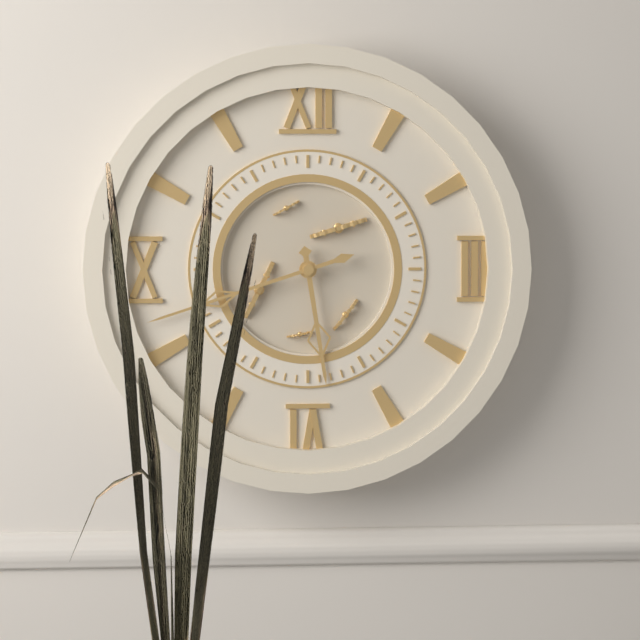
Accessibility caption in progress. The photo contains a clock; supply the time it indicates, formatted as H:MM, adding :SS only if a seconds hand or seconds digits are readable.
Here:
5:42
